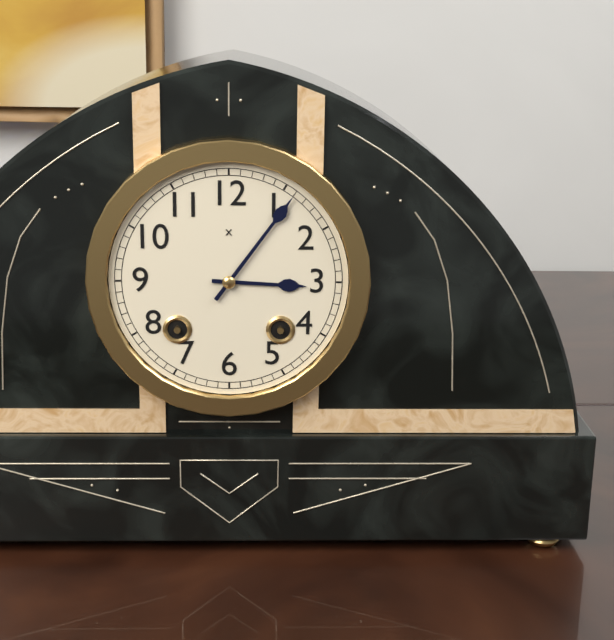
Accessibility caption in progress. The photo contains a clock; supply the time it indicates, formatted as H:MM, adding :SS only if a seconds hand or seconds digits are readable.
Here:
3:06
